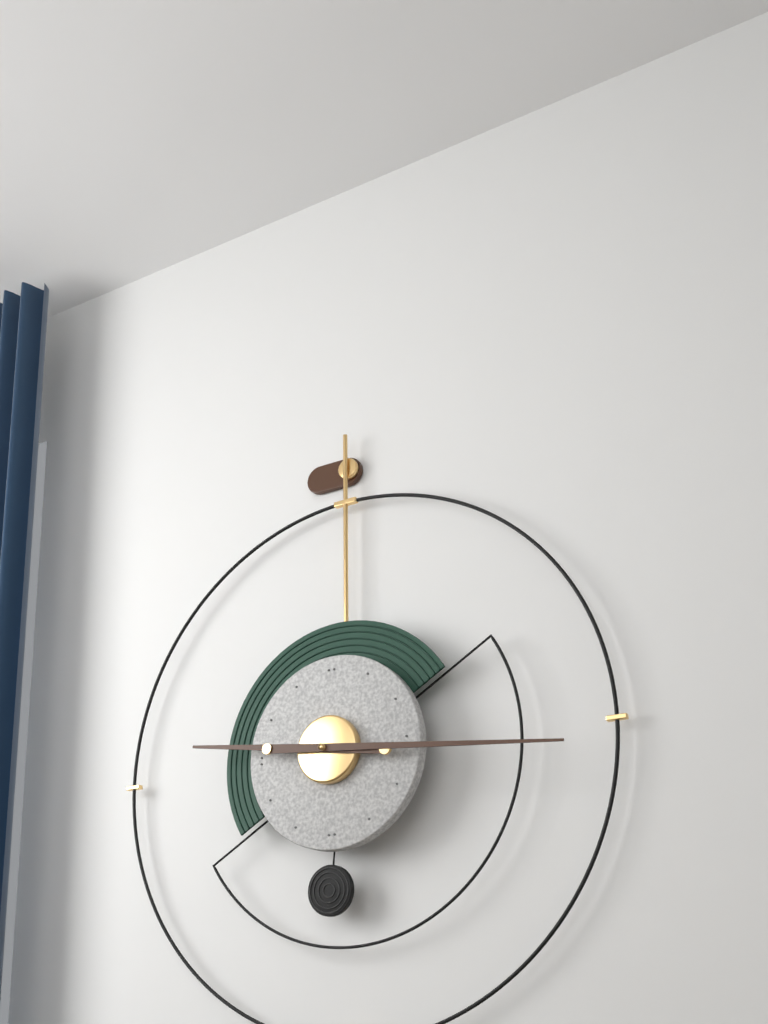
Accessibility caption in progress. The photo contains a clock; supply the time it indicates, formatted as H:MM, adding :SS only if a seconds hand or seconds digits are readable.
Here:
9:16
